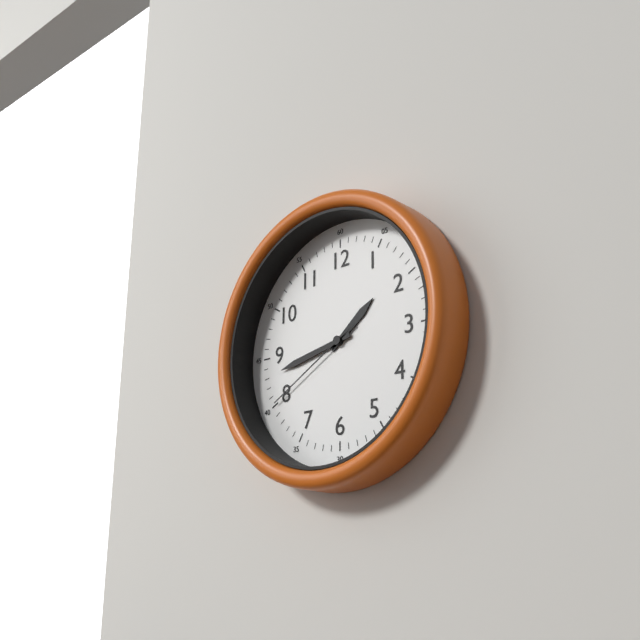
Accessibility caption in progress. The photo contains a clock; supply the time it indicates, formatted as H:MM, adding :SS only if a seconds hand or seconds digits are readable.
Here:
1:43:40
